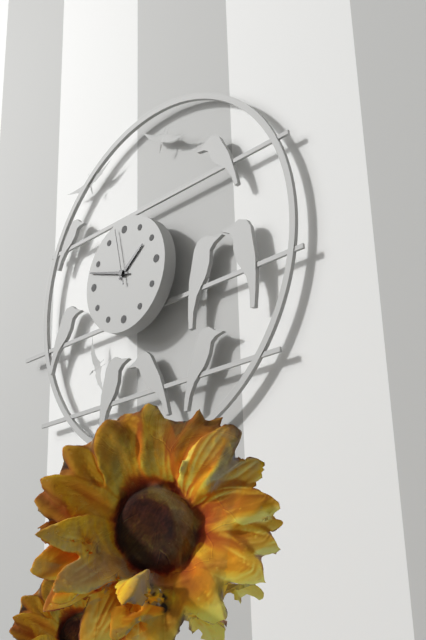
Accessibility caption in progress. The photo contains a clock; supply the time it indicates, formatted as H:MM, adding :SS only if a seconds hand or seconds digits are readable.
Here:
1:48:58
